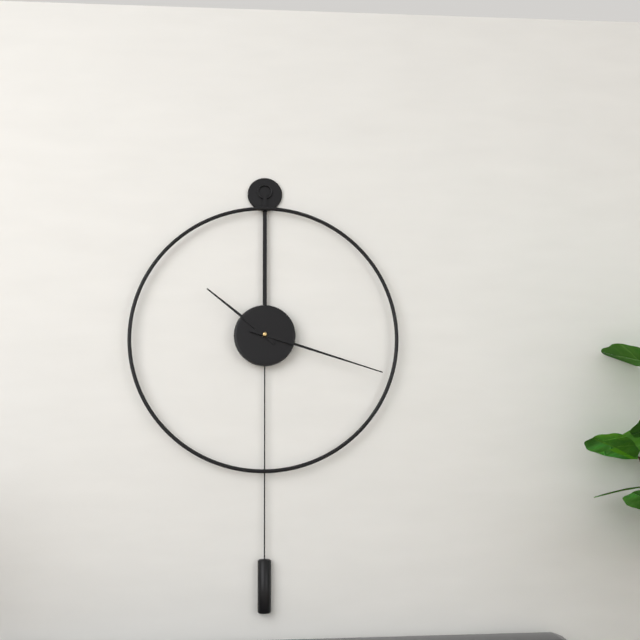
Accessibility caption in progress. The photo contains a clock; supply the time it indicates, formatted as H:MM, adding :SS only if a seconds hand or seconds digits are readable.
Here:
10:18
